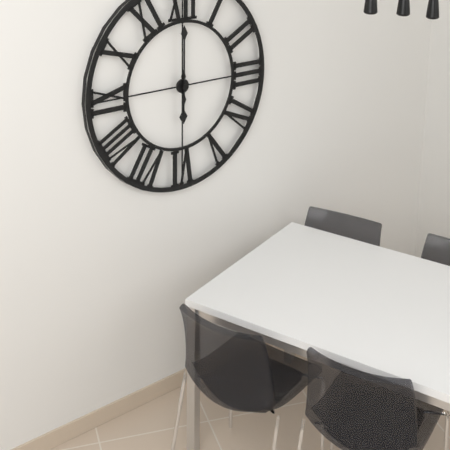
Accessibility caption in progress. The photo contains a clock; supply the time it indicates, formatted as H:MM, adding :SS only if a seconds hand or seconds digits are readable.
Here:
6:00
